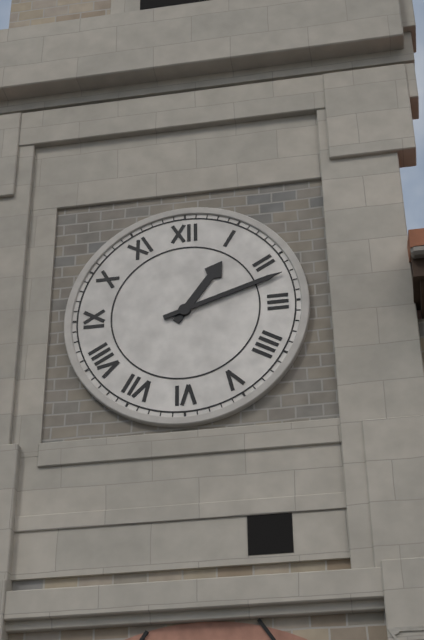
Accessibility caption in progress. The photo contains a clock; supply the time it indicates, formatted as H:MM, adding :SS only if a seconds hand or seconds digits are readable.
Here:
1:12
